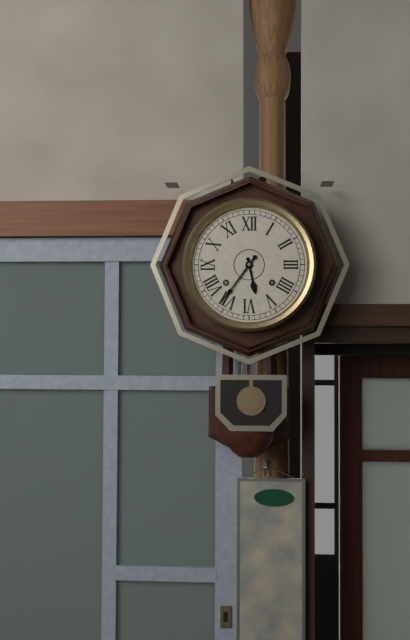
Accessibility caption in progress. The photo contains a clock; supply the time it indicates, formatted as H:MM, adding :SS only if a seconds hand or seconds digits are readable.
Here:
5:36
